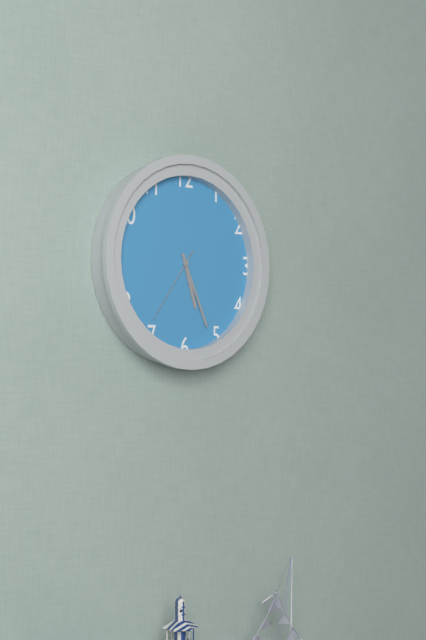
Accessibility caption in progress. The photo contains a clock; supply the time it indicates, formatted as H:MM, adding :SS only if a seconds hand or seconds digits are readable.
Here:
5:26:36
